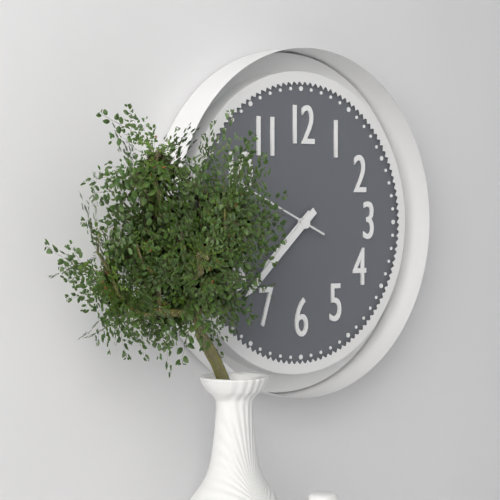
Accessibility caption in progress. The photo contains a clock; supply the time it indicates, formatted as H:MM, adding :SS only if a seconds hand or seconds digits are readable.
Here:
7:38
